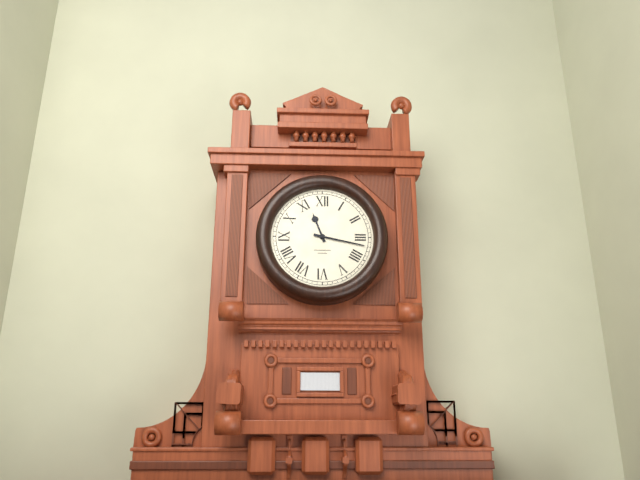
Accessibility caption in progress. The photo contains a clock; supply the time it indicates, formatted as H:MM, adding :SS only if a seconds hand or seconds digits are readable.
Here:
11:17
